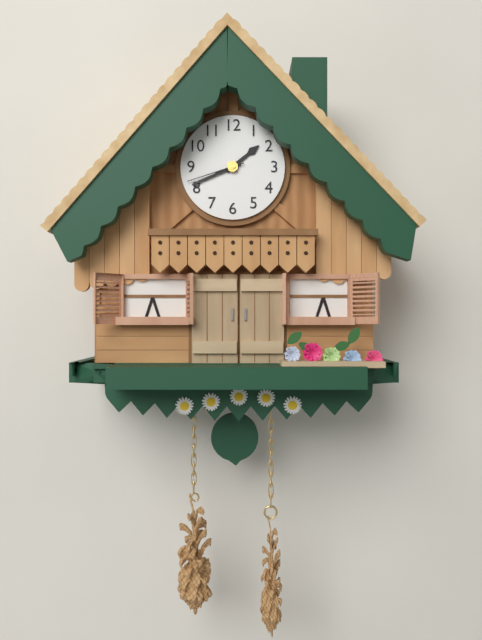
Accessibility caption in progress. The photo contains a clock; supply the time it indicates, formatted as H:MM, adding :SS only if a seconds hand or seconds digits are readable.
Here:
1:41:42
